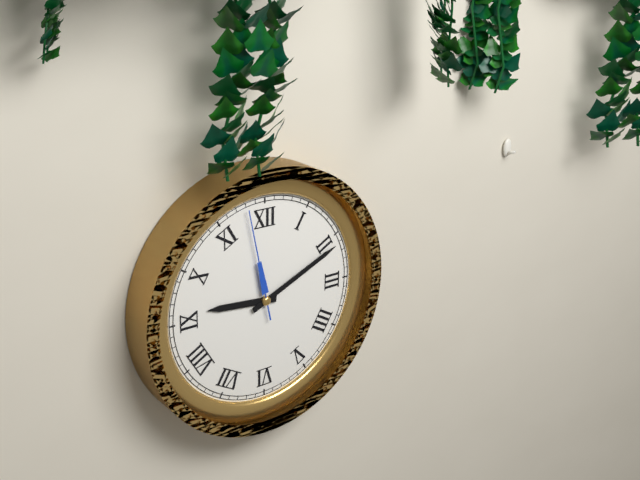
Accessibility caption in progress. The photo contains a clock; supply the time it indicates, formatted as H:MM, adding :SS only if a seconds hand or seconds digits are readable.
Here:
9:11:58
